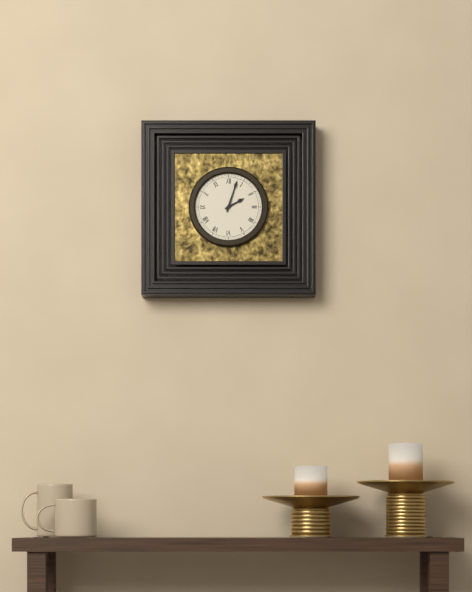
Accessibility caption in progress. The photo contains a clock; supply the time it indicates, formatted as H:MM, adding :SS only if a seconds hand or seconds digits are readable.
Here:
2:03
